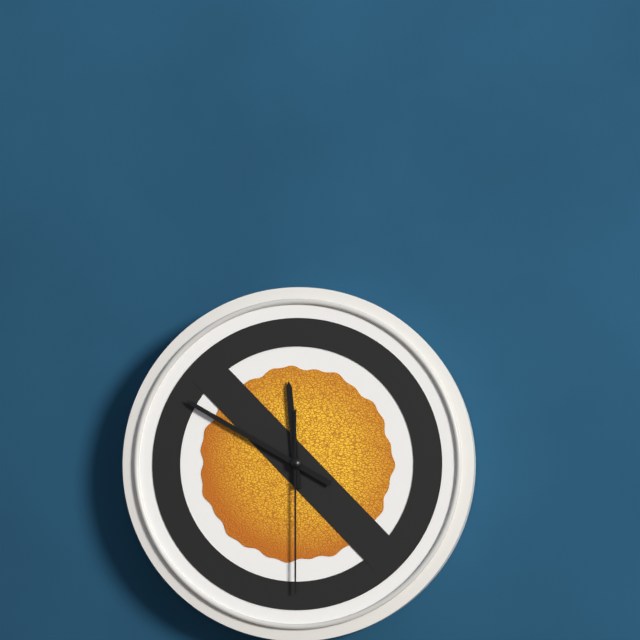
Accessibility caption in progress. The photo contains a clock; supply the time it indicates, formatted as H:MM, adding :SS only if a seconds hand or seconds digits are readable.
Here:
11:50:30
